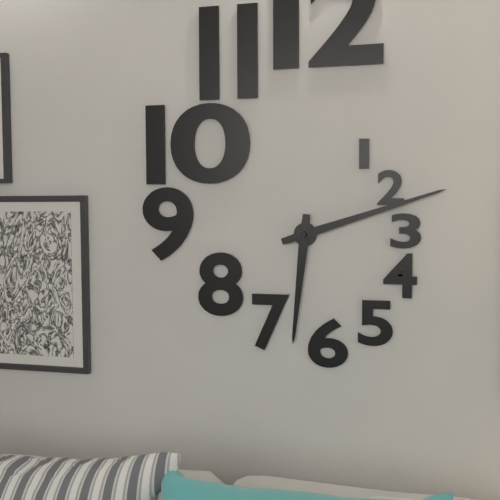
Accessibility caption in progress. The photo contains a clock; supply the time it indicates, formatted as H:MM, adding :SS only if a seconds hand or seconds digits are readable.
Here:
6:12
